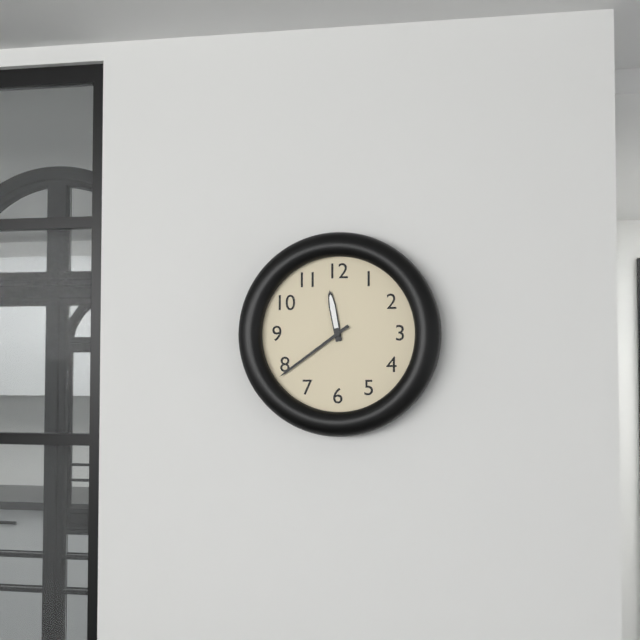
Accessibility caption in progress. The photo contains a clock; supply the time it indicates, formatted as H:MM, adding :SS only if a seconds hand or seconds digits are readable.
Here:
11:39
